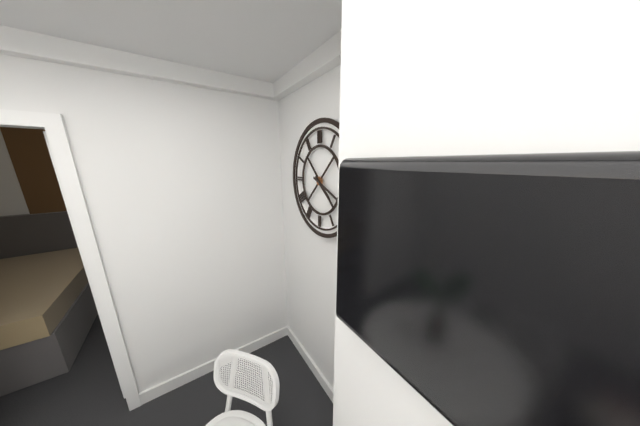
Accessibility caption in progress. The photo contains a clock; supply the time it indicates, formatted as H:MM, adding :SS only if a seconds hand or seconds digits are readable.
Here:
4:19
